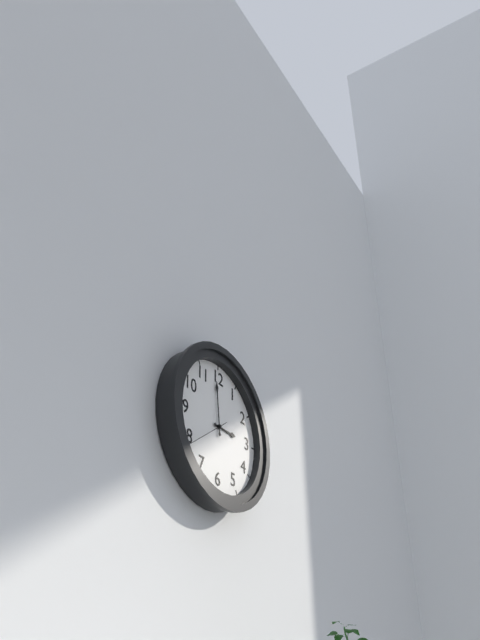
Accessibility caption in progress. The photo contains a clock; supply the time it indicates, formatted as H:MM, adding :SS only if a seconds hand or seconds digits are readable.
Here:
2:59
